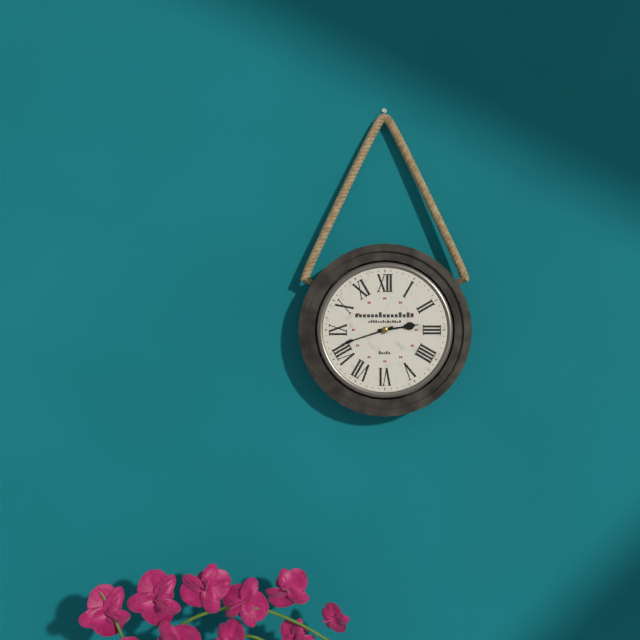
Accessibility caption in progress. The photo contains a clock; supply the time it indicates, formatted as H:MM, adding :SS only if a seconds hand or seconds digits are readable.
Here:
2:42
